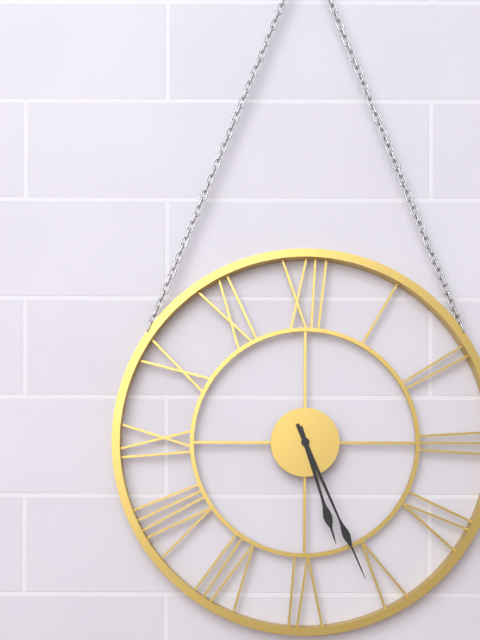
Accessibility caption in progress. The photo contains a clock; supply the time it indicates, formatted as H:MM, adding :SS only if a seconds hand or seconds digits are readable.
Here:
5:26
